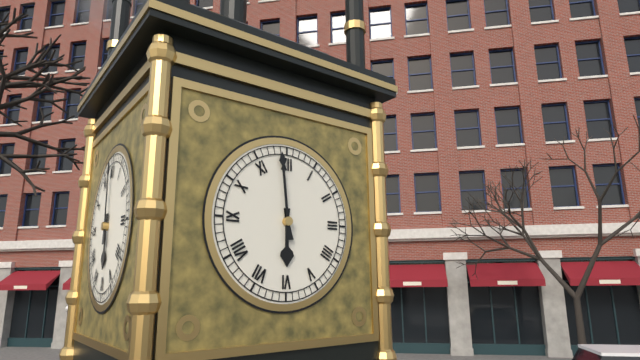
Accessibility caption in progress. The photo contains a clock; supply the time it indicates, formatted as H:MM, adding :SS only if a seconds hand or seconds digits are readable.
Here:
5:59
